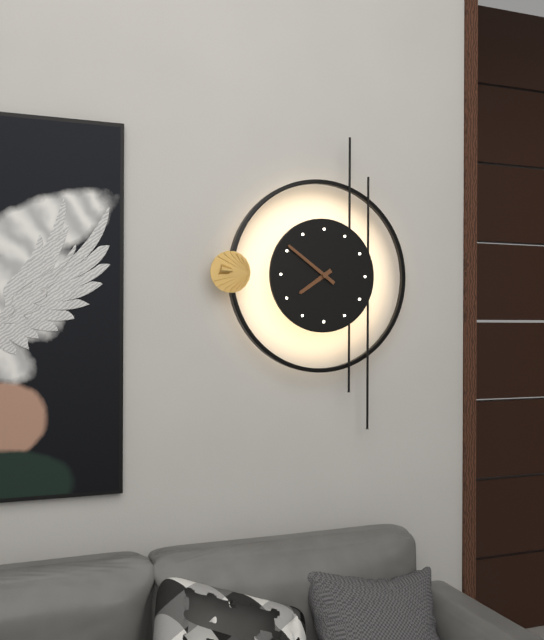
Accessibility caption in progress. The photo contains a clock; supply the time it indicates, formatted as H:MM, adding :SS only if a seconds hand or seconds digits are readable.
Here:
7:51
